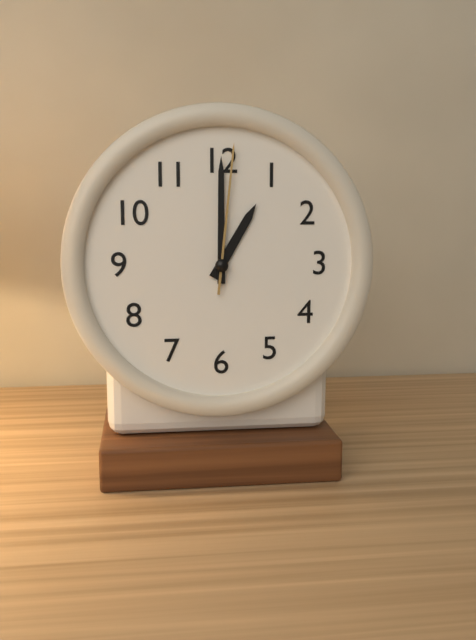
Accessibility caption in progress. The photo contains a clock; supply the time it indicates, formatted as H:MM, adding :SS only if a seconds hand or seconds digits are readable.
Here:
1:00:01
